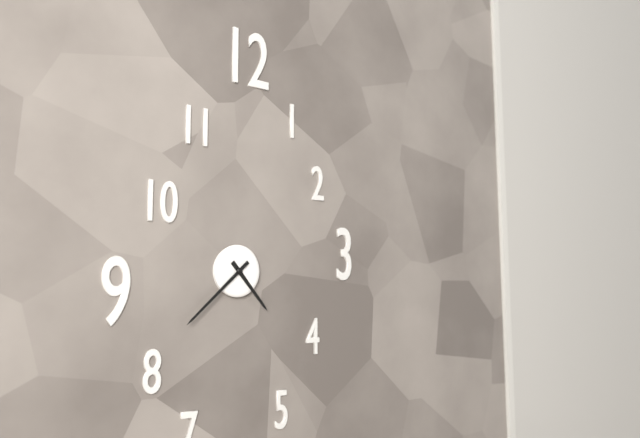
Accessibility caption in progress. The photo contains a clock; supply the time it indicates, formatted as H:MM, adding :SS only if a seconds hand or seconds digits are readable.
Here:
4:38
